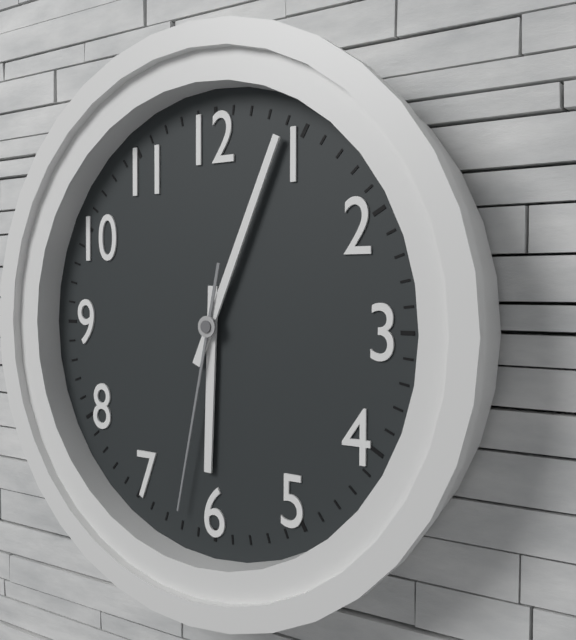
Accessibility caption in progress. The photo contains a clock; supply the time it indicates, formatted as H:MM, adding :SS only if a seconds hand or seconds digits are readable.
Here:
6:04:32
